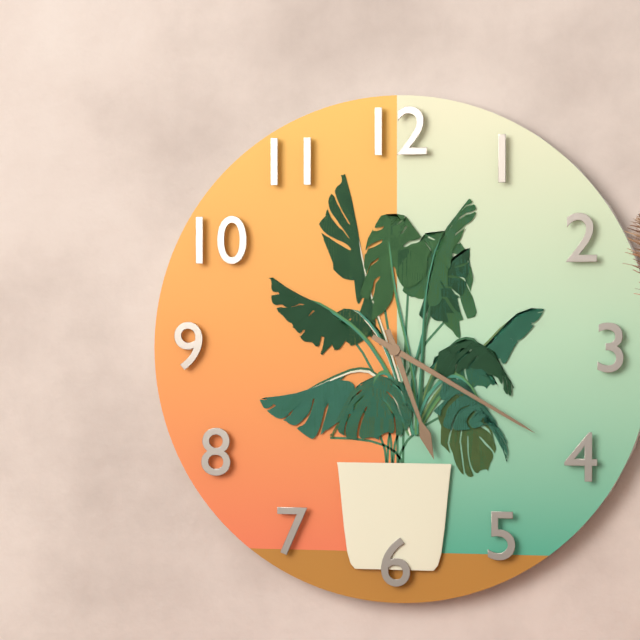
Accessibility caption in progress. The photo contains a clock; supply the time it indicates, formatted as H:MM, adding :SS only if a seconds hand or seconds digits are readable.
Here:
5:20
